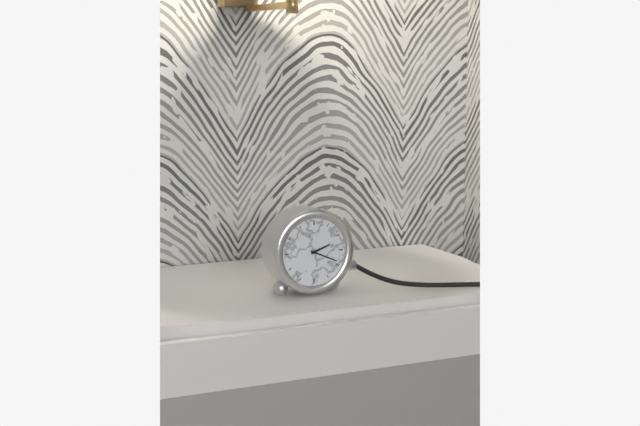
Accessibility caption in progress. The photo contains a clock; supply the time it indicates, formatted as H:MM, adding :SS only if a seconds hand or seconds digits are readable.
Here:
2:19
